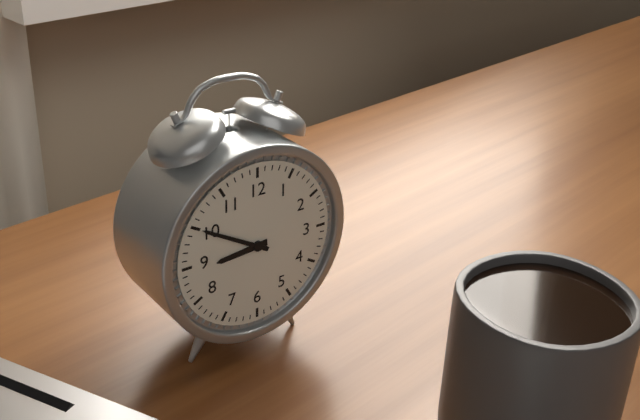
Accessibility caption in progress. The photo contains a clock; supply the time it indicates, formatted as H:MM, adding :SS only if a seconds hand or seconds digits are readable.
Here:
8:50
